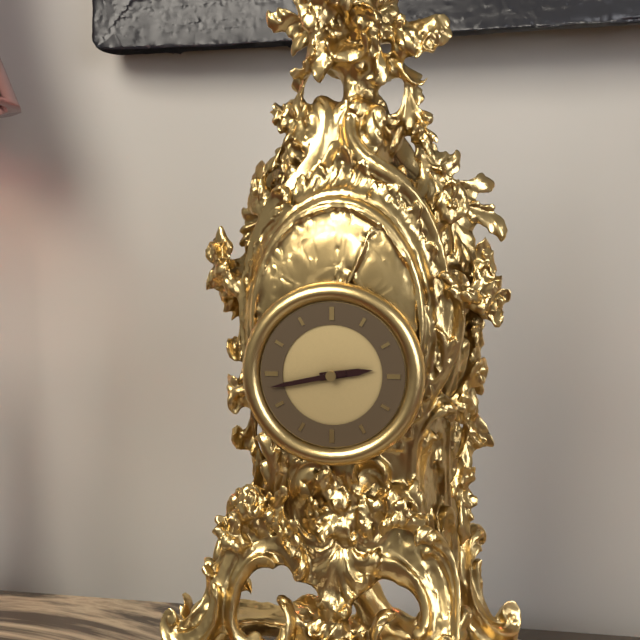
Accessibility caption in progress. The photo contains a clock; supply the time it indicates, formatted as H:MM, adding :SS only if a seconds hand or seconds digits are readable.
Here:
2:43
